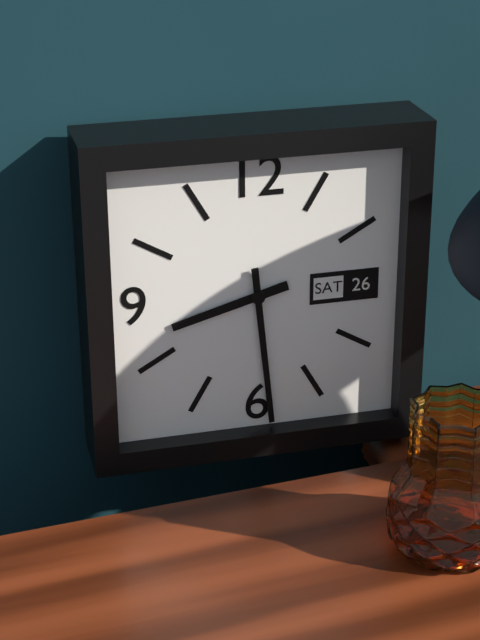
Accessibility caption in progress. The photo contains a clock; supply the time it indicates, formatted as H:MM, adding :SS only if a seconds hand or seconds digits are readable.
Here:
8:29
